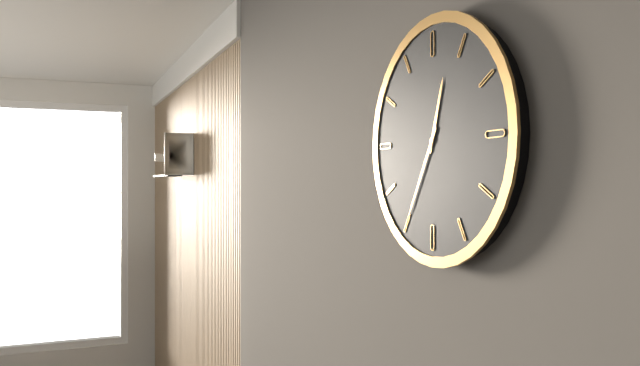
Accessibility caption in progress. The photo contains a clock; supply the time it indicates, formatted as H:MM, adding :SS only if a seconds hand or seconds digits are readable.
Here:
12:35
